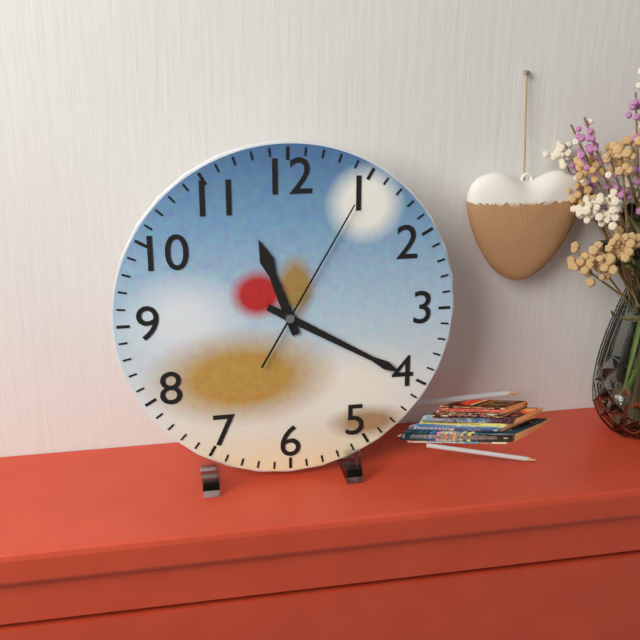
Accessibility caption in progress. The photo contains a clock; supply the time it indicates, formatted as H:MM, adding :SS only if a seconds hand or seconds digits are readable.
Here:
11:20:05
